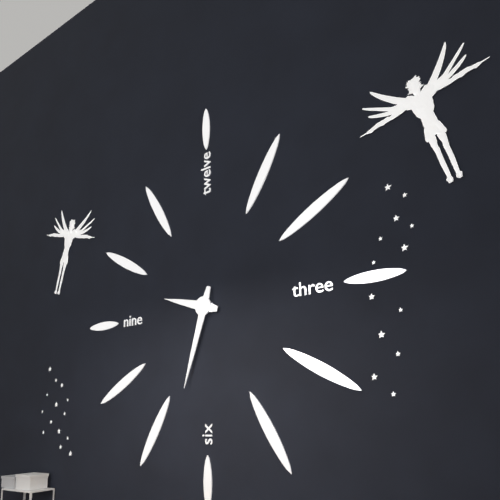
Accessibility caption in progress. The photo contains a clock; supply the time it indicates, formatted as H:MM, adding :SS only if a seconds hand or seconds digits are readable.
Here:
9:33
